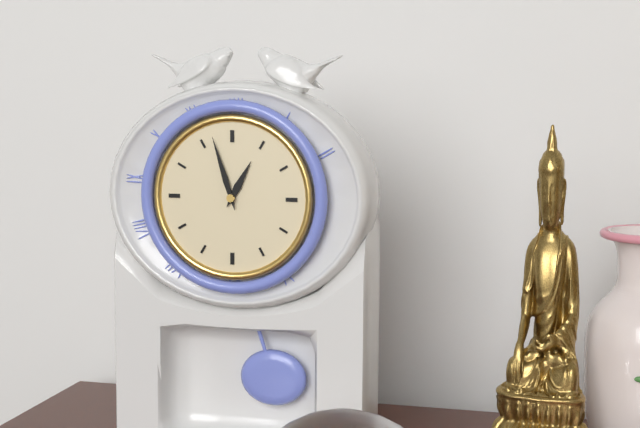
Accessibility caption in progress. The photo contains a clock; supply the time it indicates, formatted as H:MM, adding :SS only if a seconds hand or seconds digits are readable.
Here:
12:57
